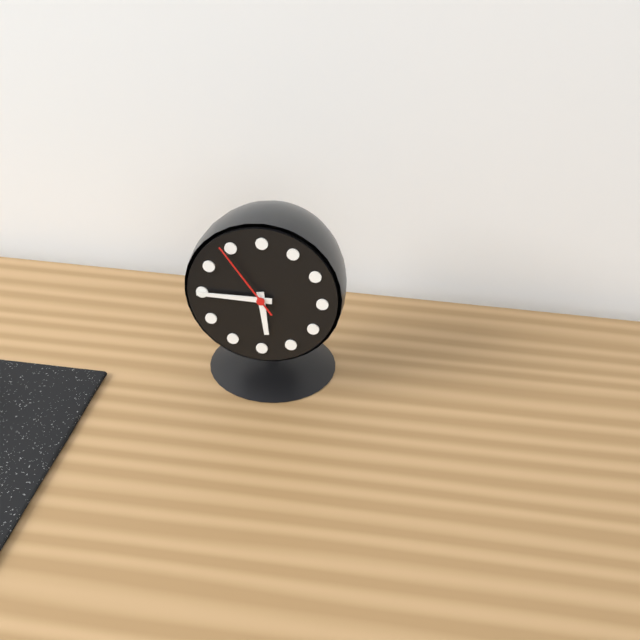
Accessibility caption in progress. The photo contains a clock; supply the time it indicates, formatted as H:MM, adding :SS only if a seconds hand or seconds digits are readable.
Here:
5:45:54
